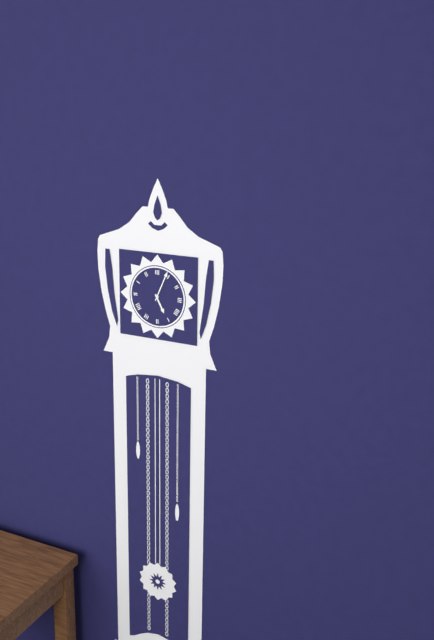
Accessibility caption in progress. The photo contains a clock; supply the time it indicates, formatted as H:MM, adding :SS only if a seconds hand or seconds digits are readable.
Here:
5:04
